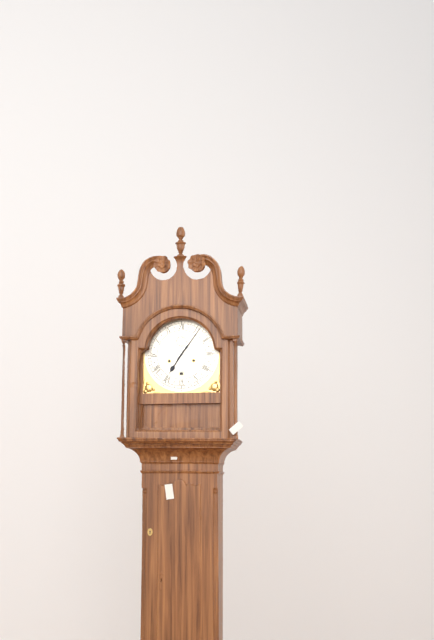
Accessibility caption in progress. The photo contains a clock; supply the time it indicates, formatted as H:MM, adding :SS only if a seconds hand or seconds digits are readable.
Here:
7:06
